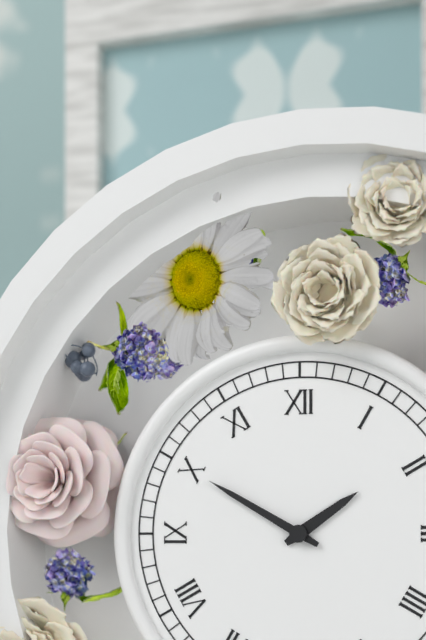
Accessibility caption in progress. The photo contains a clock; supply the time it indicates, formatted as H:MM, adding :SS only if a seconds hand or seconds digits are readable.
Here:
1:50
